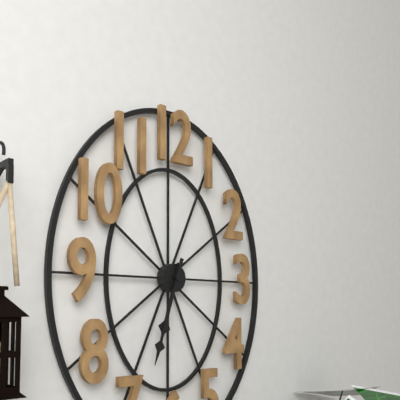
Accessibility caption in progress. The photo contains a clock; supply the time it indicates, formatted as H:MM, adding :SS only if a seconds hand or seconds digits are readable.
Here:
6:33
